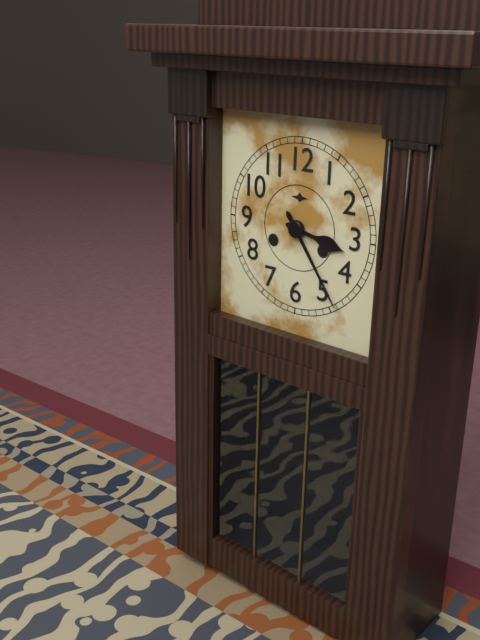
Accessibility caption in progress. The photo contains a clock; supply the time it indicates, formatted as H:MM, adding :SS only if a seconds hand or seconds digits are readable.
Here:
3:24
